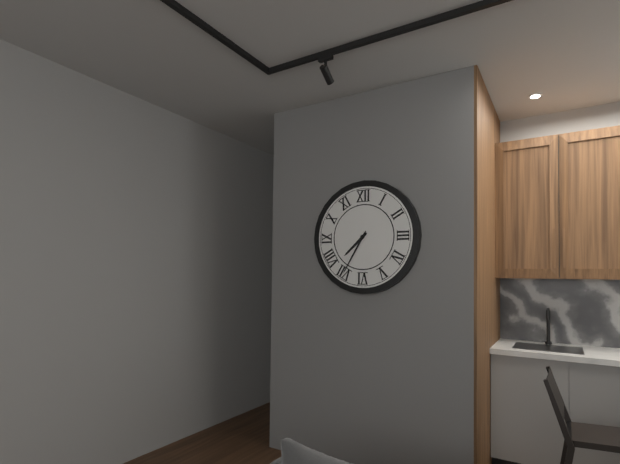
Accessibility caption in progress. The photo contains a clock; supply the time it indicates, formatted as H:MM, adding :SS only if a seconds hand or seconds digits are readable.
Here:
7:35
